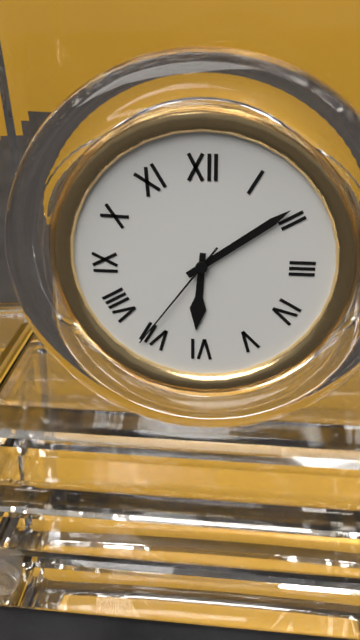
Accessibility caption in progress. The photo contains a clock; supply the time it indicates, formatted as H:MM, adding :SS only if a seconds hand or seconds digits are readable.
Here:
6:09:36
